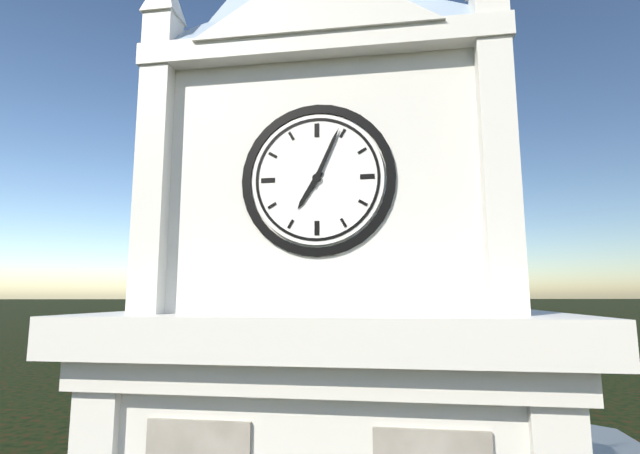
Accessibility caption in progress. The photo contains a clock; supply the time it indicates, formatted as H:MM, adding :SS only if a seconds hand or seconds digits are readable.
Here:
7:04
